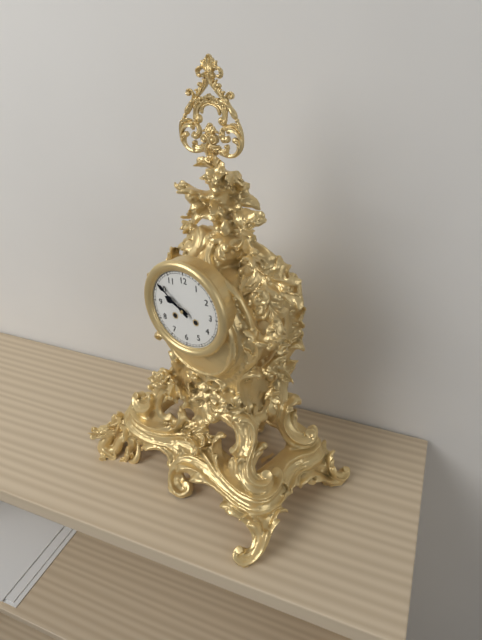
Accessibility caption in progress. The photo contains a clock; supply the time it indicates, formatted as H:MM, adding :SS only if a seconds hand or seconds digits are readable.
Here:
9:51
